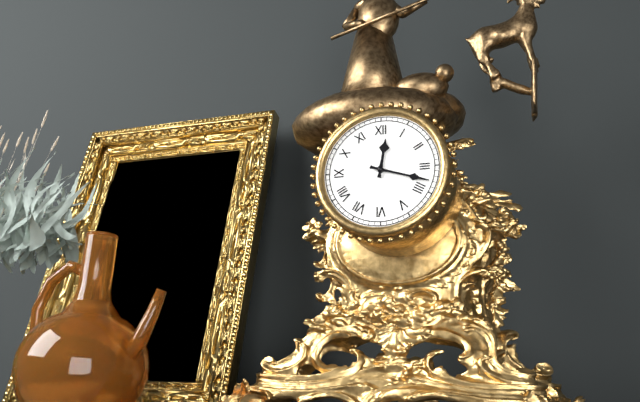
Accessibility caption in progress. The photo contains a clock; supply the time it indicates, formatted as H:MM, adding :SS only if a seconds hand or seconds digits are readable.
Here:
12:18
